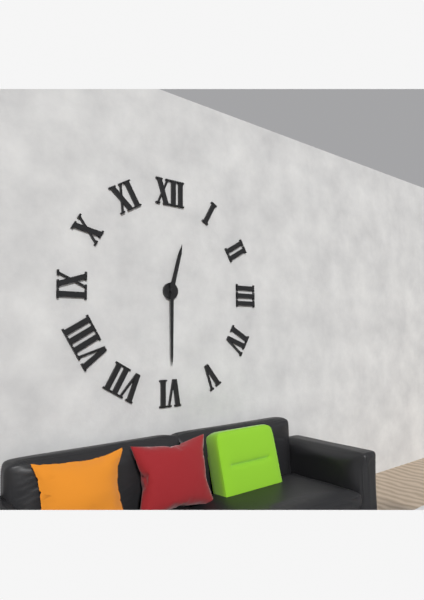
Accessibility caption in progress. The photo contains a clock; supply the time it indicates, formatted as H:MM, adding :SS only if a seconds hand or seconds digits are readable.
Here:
12:30
